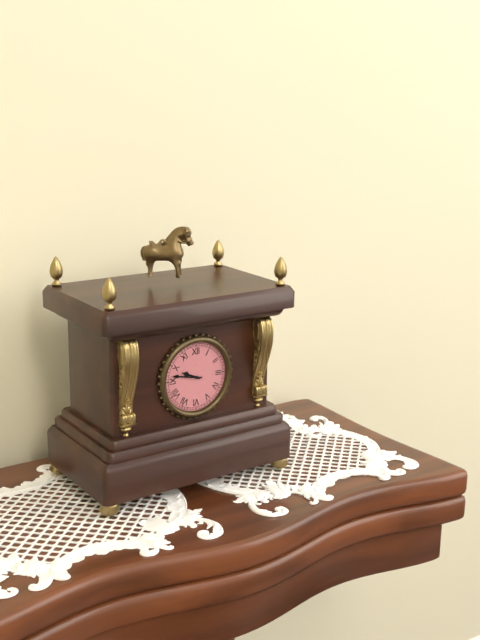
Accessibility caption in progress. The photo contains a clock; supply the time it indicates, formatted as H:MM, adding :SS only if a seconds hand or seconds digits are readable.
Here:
9:47
